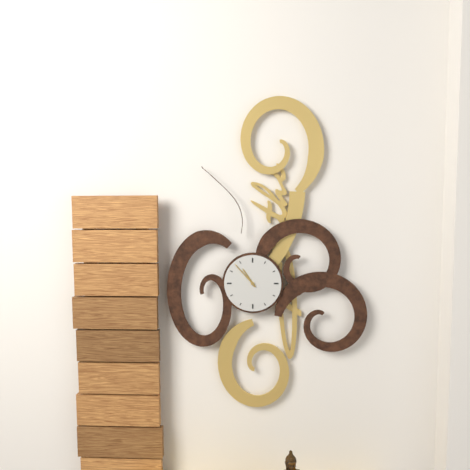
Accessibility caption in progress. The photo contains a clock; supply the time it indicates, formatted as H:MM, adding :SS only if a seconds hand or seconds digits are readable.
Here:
10:53
